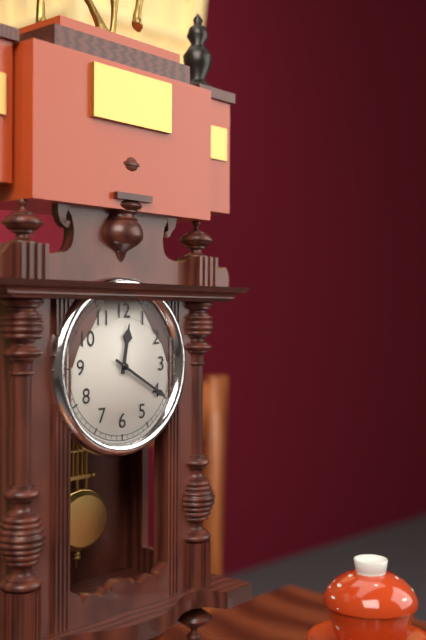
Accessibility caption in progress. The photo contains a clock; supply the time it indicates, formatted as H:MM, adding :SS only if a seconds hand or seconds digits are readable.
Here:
12:20
